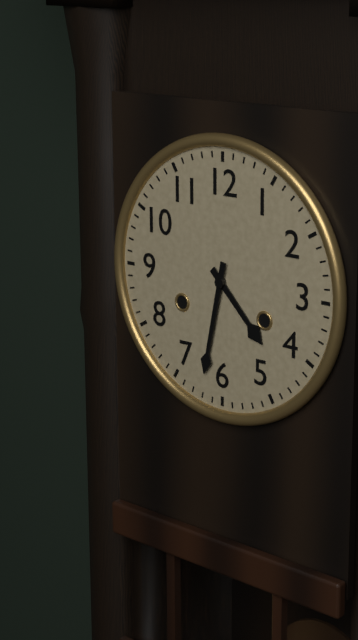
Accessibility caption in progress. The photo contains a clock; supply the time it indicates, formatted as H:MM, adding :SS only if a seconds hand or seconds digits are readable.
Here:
4:32
